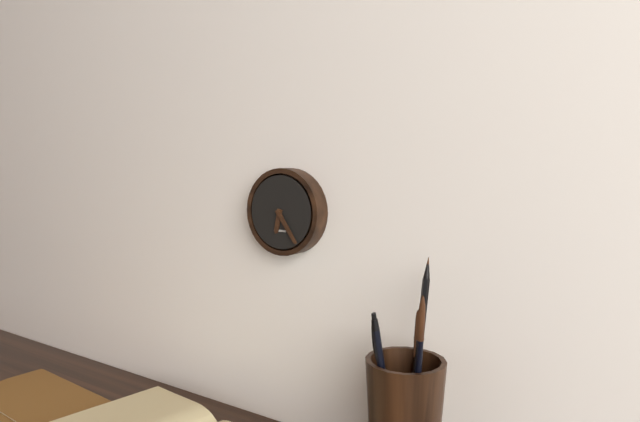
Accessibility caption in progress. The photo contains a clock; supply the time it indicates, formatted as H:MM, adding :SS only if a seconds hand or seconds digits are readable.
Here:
6:24
